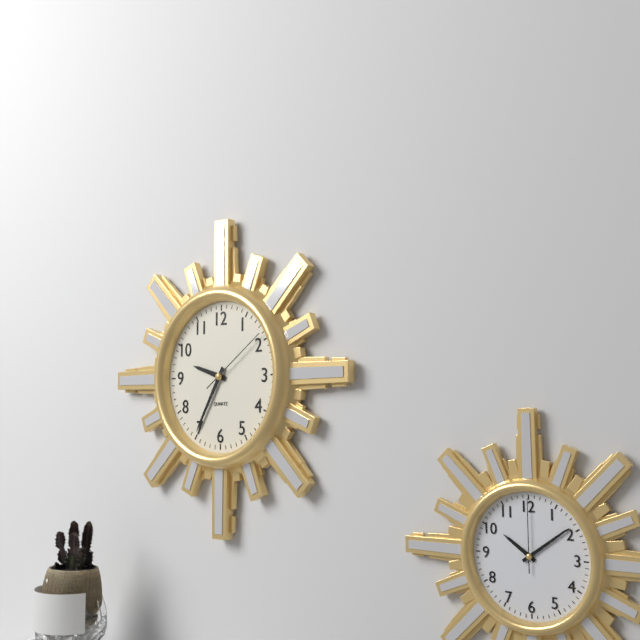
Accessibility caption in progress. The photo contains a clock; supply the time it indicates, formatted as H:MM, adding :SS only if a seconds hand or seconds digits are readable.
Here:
9:35:09
